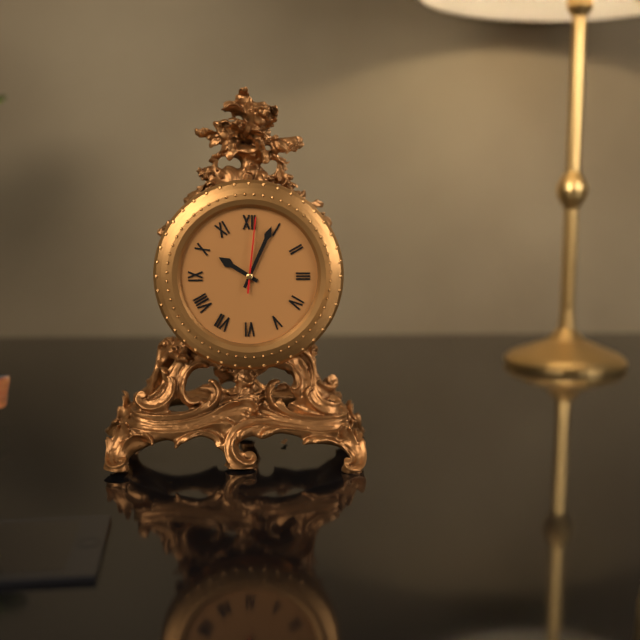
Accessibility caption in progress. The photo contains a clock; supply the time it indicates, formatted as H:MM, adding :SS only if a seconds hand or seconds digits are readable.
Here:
10:04:01
